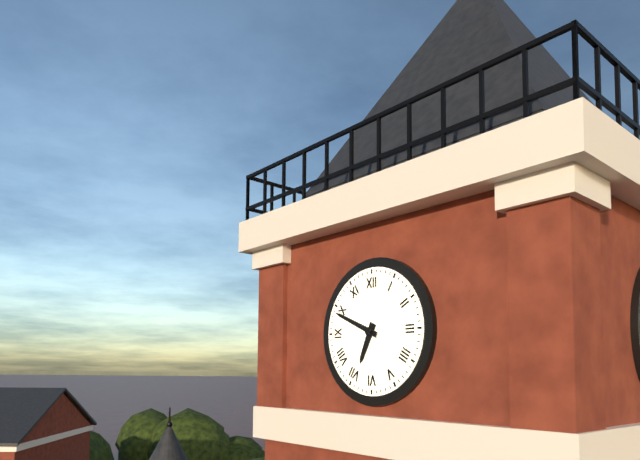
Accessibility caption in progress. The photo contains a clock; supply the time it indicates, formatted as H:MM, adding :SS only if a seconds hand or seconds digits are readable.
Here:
6:49
